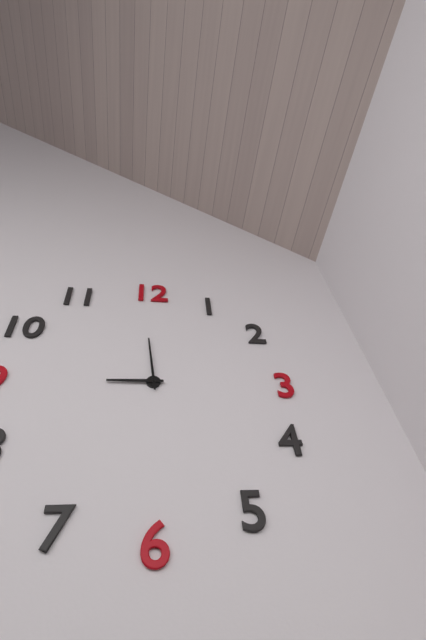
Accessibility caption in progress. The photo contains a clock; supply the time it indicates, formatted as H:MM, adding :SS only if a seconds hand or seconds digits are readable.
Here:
8:59
